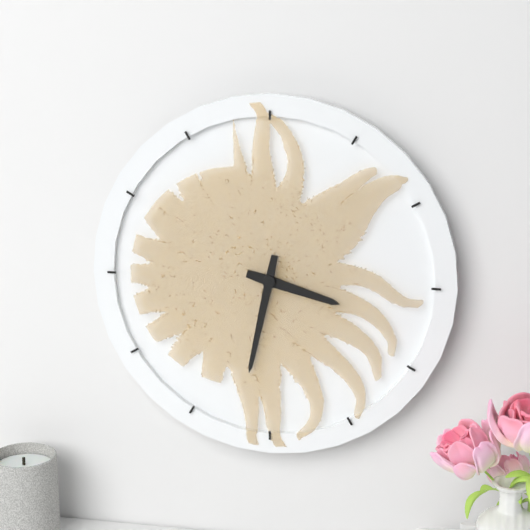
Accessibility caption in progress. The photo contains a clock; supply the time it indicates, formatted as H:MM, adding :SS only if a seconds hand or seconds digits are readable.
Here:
3:32
